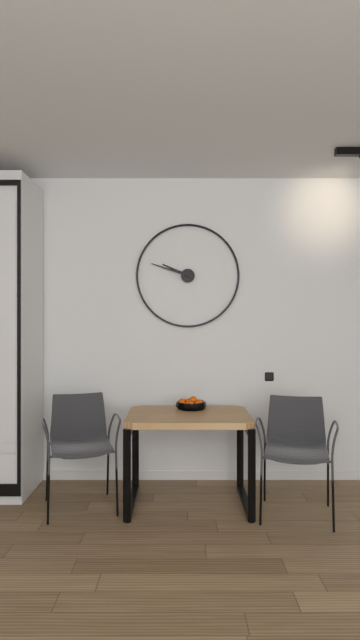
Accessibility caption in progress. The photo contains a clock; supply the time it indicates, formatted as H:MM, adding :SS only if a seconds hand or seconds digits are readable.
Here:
9:48
